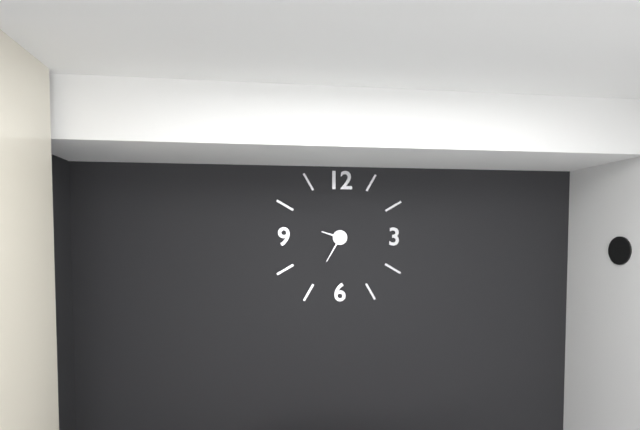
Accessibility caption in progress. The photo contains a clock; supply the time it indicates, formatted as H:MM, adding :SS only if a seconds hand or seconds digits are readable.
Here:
9:35
